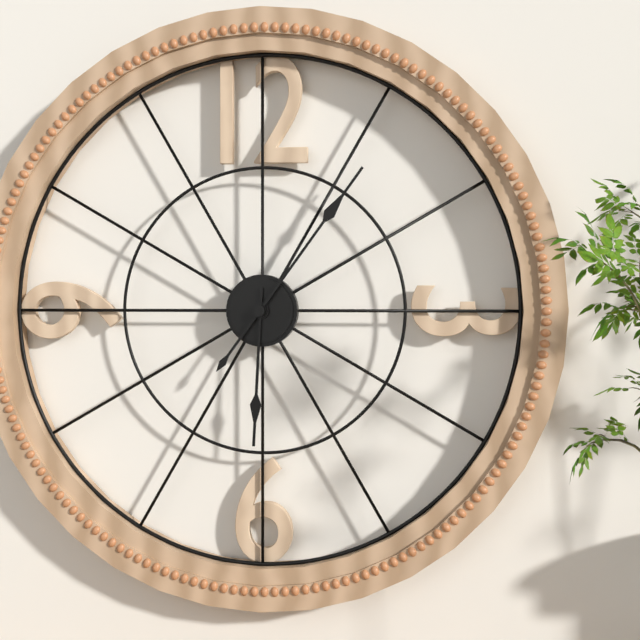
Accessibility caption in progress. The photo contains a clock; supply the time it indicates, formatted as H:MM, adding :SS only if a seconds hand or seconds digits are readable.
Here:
6:06
